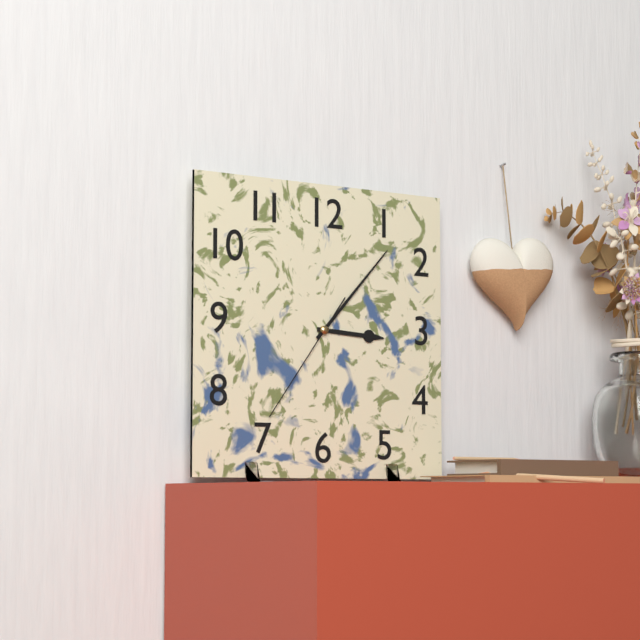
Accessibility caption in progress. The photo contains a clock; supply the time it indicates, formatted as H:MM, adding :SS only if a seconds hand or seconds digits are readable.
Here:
3:07:36
